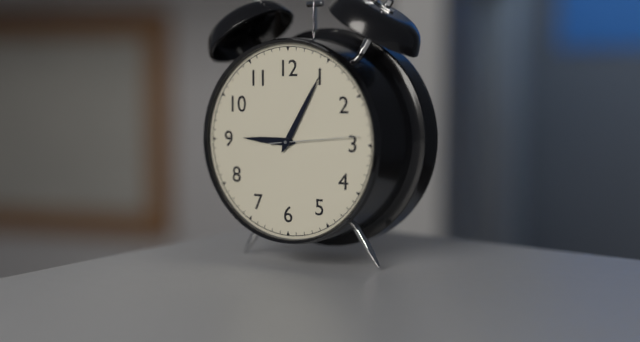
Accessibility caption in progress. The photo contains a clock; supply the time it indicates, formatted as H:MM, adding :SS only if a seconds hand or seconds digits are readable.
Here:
9:05:14
